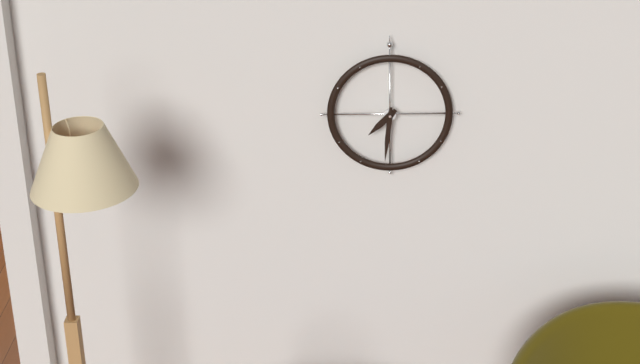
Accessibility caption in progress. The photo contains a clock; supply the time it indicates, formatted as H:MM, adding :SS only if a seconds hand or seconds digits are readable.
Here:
7:31
